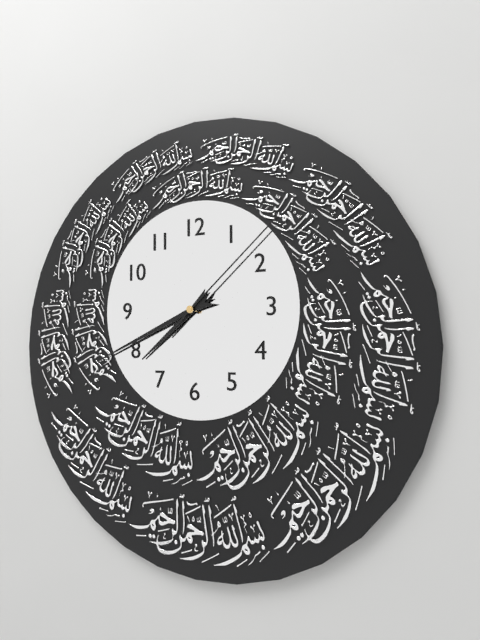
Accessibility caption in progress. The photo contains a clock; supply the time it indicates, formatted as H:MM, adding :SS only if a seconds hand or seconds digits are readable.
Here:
7:41:08
